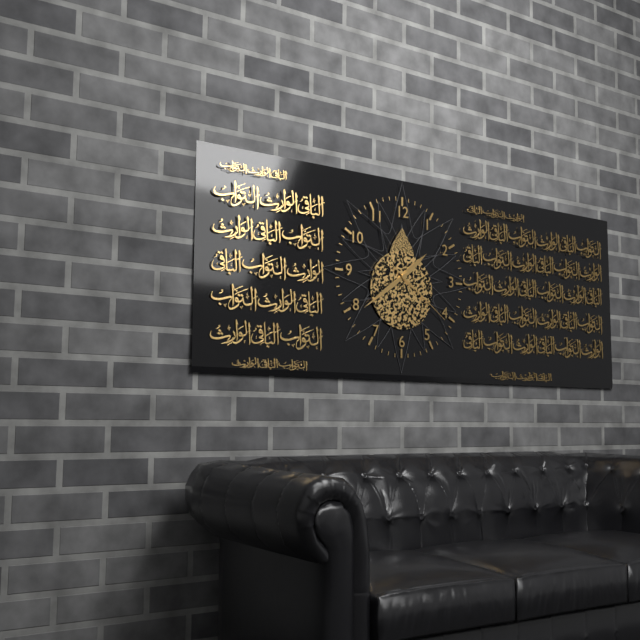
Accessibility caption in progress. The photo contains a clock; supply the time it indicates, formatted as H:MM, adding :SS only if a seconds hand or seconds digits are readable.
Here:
1:39:21
